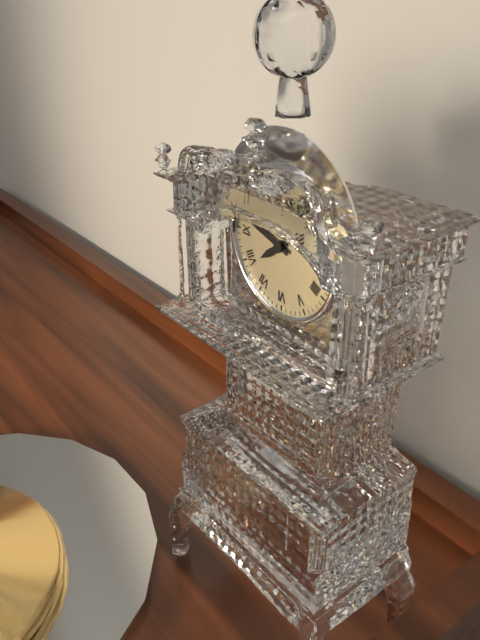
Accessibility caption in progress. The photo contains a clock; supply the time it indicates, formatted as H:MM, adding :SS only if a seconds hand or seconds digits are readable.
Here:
7:48
